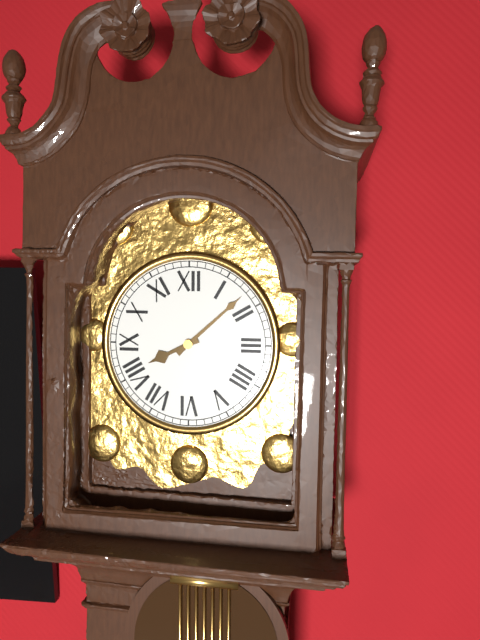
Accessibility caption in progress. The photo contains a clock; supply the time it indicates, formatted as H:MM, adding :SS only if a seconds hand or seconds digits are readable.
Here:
8:08
